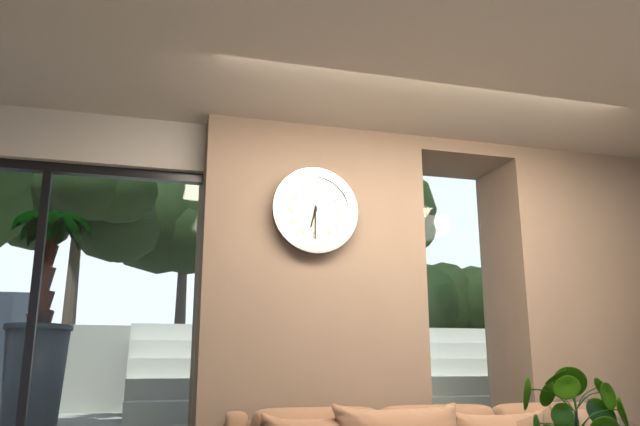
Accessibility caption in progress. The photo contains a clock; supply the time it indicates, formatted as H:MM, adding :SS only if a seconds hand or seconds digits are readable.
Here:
6:30
